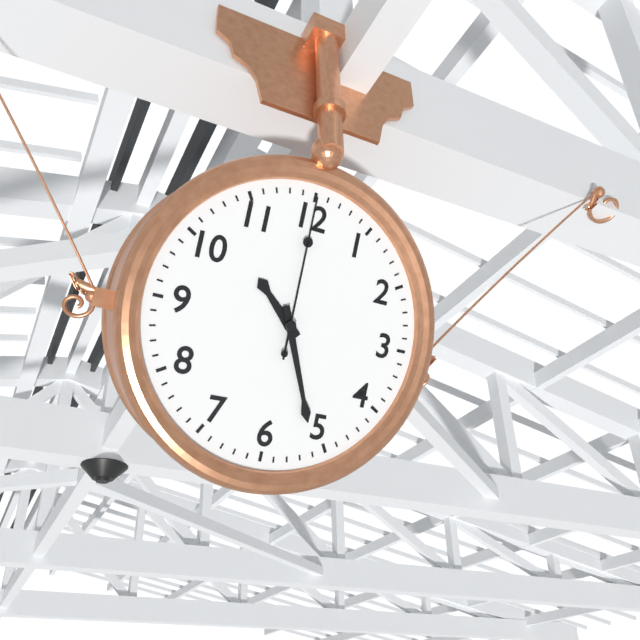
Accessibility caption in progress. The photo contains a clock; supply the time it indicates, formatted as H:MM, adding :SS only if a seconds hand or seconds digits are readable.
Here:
10:26:00
